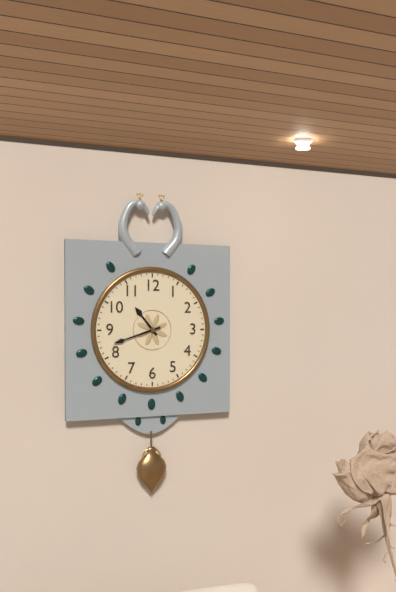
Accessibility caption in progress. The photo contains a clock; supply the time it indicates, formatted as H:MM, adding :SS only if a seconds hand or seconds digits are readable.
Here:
10:42
